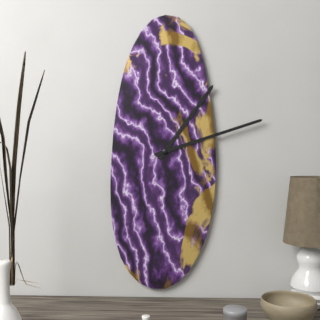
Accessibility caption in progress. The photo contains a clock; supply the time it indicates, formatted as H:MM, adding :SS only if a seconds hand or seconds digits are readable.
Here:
1:12
